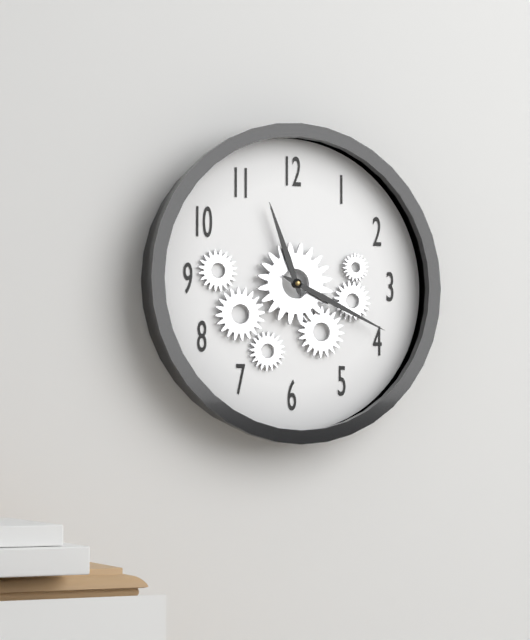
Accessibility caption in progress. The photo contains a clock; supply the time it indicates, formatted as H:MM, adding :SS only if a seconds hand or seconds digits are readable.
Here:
11:19
